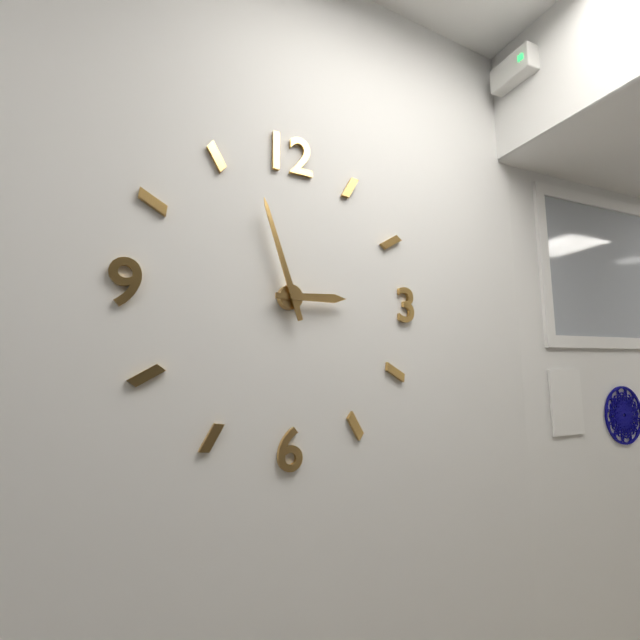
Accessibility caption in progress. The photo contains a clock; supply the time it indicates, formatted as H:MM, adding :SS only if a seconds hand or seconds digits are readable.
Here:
2:57
